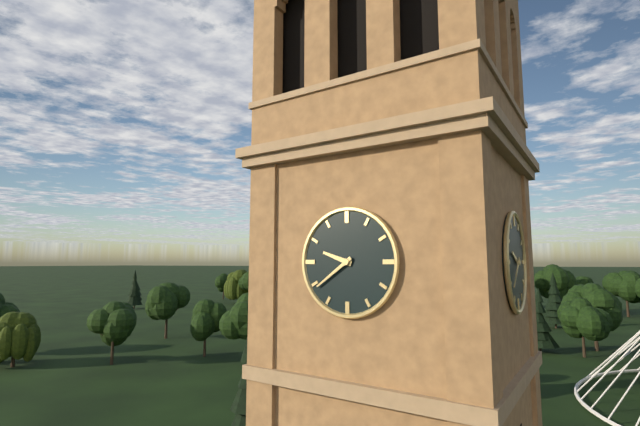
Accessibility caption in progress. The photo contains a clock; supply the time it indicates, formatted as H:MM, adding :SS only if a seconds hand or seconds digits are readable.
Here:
9:39
